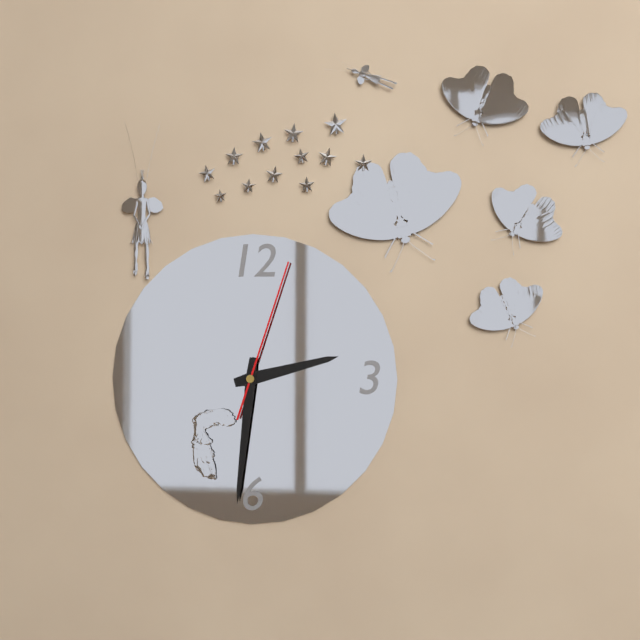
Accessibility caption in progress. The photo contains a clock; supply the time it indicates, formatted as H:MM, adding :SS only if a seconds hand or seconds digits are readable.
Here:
2:31:03
